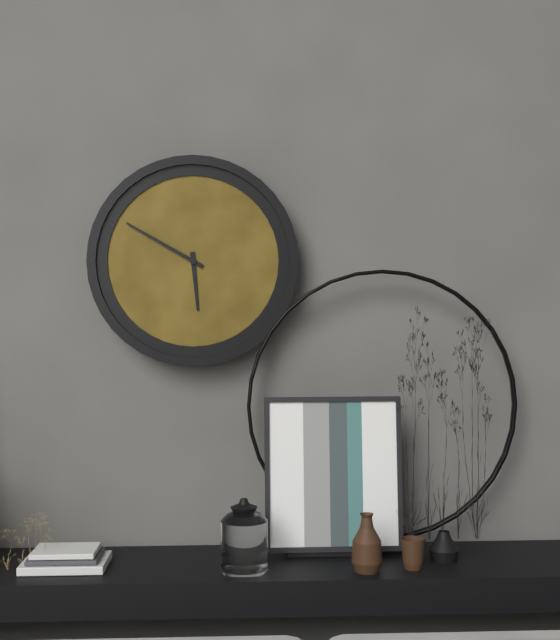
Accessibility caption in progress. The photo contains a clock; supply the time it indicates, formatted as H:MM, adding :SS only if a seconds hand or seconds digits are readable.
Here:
5:50
